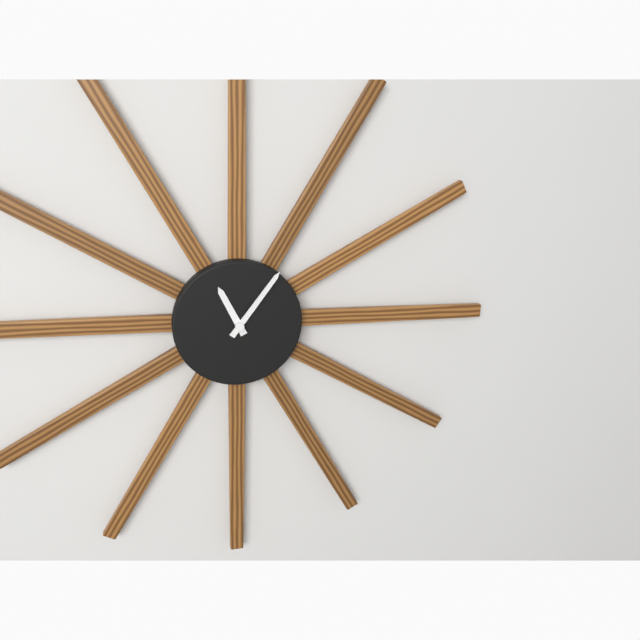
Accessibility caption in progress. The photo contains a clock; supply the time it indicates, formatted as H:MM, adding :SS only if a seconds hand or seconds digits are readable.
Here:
11:06
